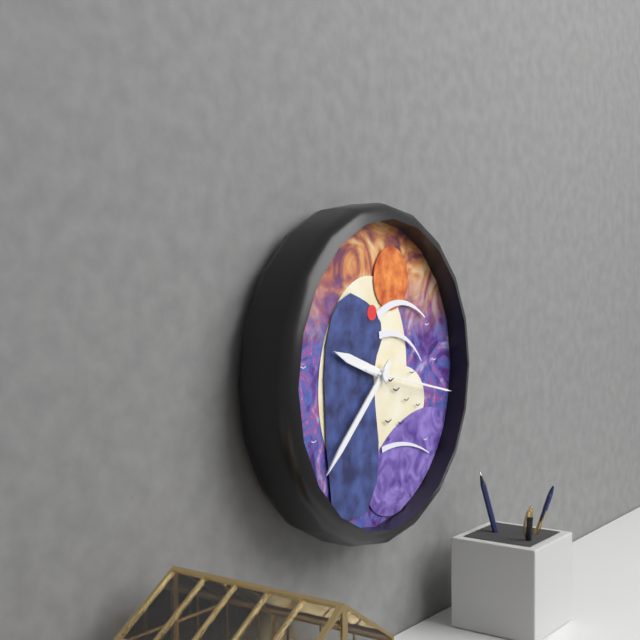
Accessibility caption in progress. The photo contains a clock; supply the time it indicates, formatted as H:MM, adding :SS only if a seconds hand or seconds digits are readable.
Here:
9:38:17
